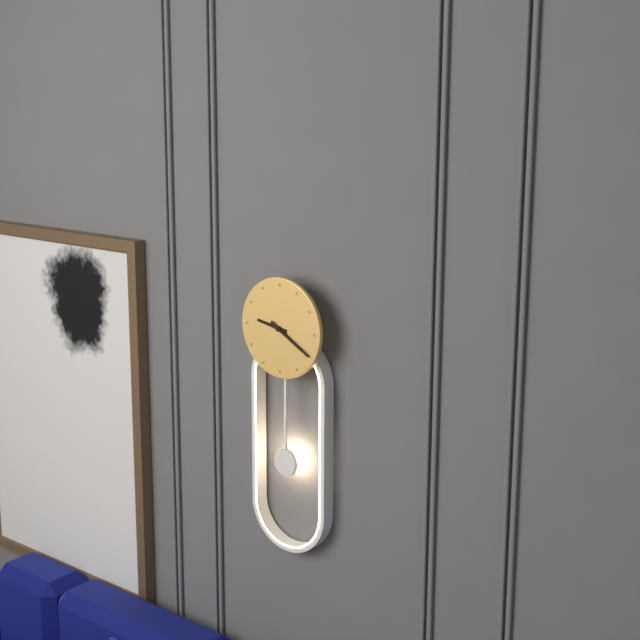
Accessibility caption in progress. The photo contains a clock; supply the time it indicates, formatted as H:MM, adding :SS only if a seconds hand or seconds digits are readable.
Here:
9:20
